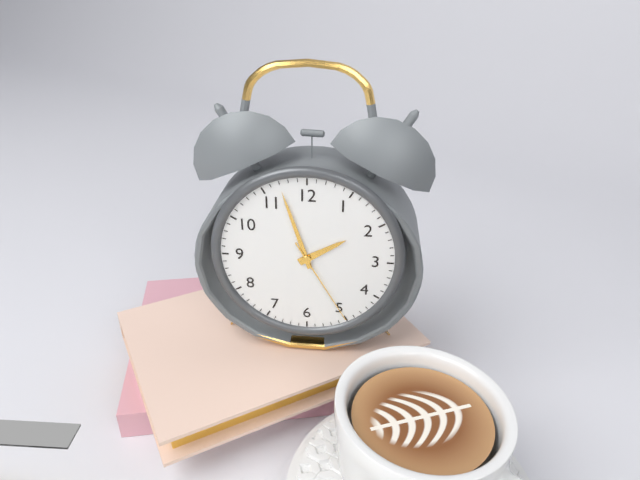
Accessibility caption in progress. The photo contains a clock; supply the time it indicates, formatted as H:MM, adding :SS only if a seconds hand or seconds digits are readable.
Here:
1:57:25
